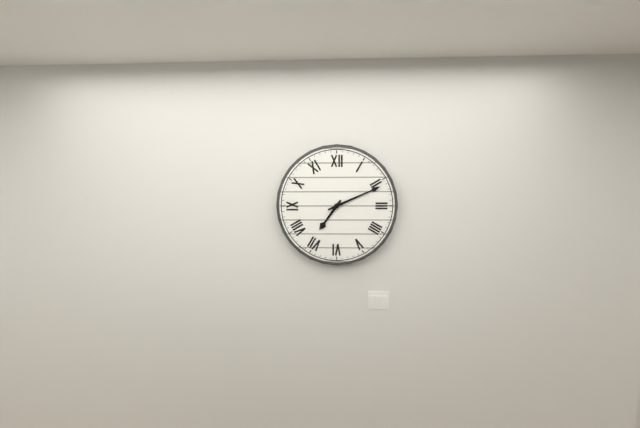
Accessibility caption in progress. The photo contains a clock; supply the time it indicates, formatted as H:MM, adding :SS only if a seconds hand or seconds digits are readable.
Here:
7:11
